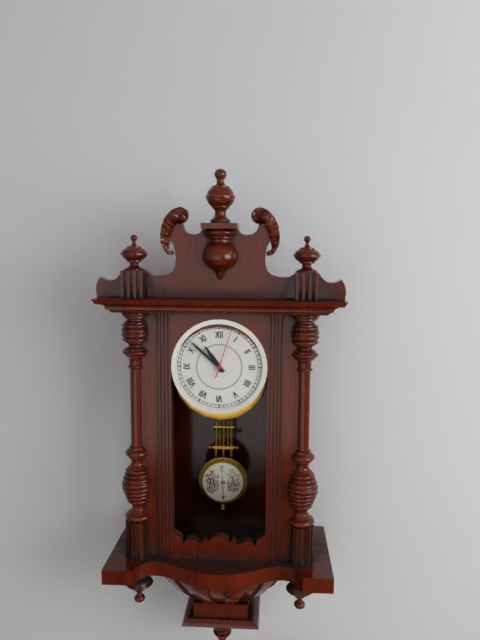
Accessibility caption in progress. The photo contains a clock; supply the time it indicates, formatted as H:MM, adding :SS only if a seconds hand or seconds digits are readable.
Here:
10:52
